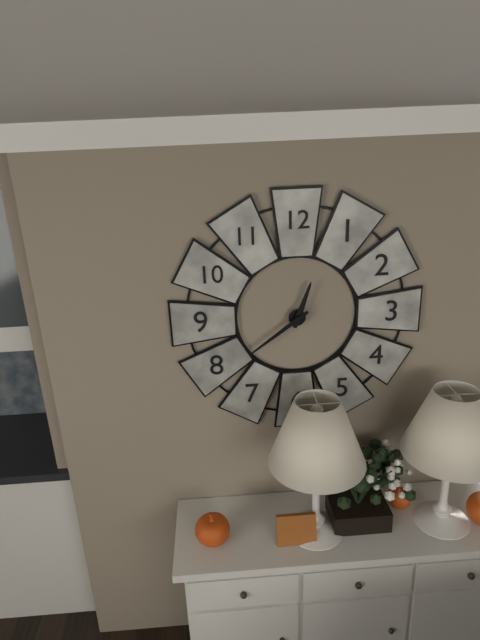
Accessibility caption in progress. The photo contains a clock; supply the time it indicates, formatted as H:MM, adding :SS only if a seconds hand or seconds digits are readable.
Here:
12:39
